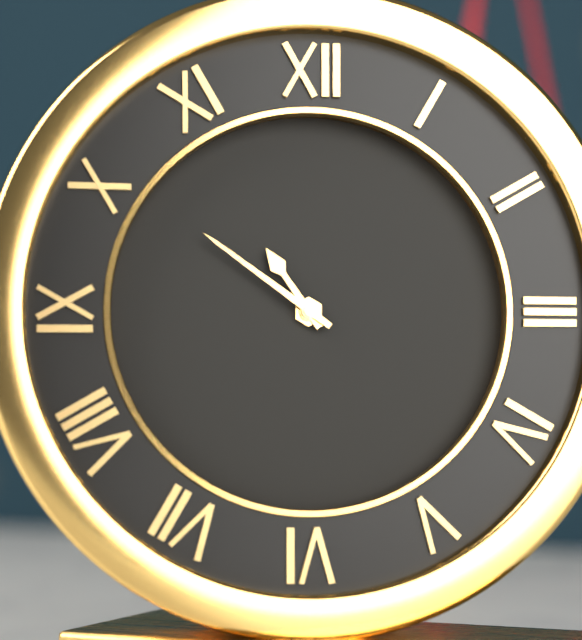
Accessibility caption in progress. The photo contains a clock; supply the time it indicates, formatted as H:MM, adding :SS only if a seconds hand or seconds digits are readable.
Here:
10:51
